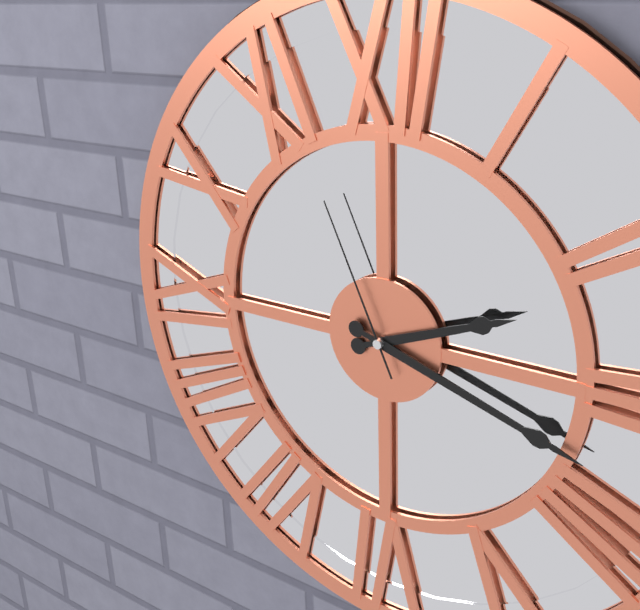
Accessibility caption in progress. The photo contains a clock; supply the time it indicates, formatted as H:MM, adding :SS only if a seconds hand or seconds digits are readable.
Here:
2:18:56
